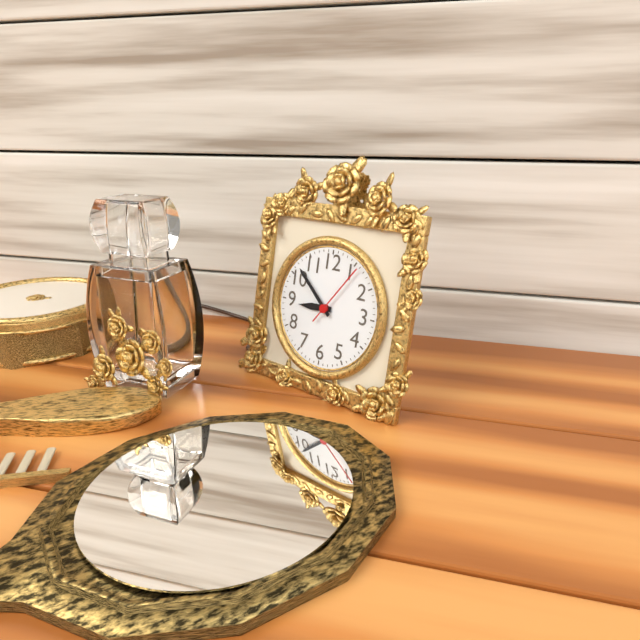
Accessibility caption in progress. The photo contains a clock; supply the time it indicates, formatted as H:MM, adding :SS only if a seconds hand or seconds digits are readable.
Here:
8:52:06
